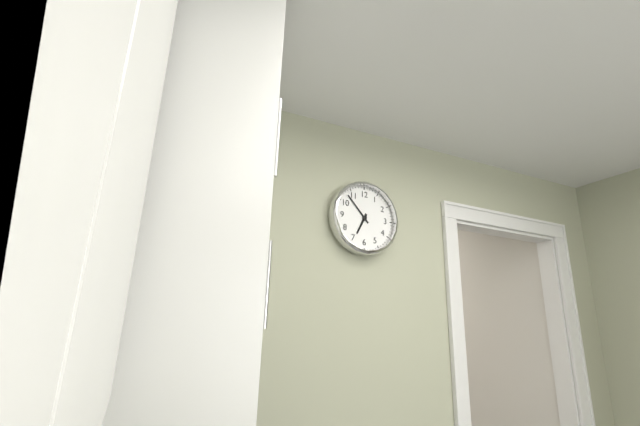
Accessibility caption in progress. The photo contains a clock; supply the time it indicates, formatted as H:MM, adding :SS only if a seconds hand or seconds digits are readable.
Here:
6:53
